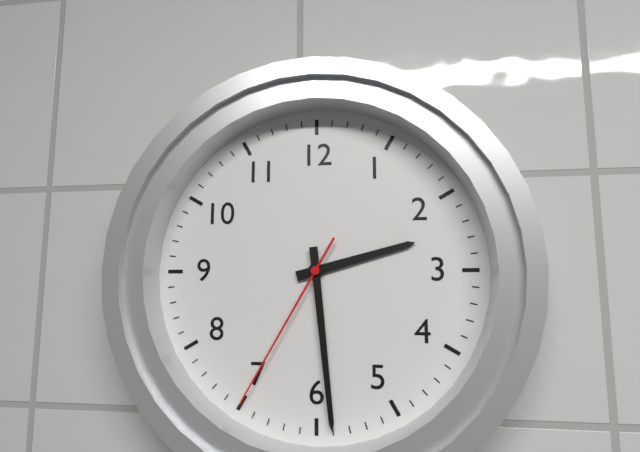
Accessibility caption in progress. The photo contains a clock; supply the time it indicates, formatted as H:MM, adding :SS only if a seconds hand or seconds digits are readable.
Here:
2:29:35
